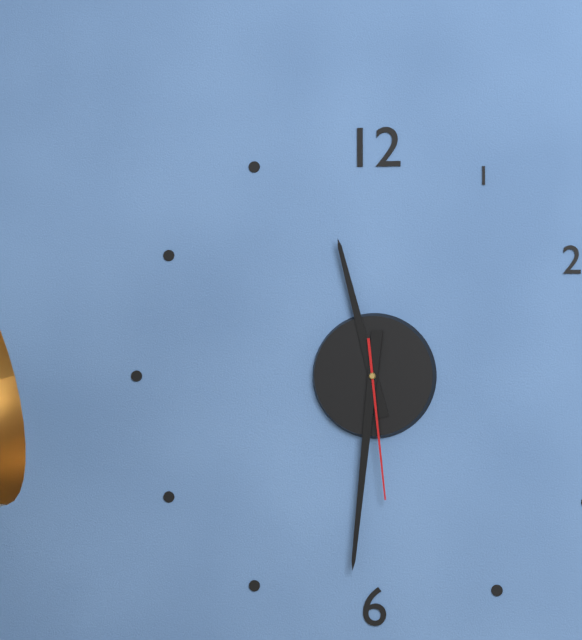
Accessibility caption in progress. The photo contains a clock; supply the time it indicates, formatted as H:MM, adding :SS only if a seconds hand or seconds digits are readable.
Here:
11:31:29
